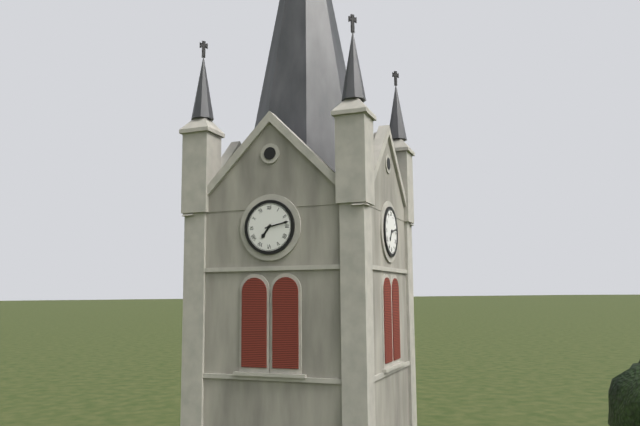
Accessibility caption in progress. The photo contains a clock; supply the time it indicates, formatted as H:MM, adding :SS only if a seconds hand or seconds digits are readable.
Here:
7:13
